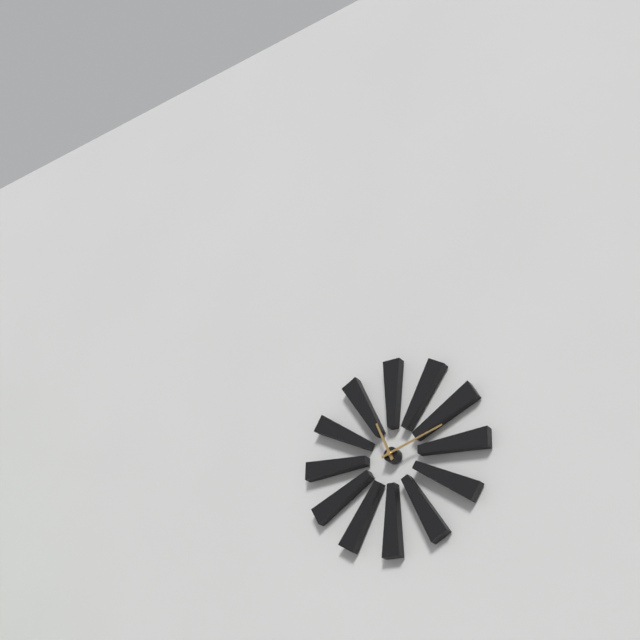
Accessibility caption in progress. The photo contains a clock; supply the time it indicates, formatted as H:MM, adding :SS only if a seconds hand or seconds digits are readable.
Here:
11:12
